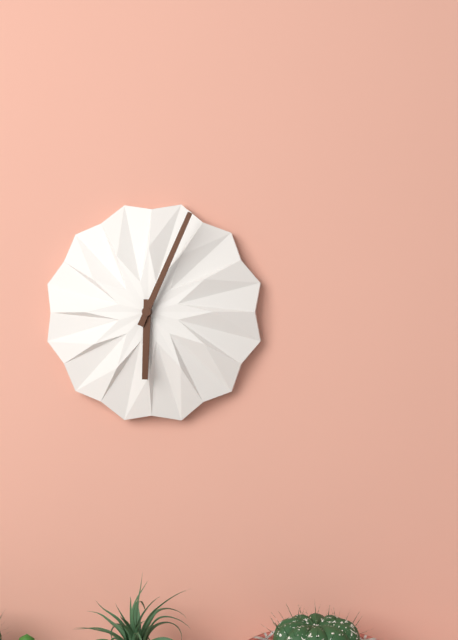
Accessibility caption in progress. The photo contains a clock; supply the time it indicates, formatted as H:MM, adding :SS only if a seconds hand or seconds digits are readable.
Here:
6:04
